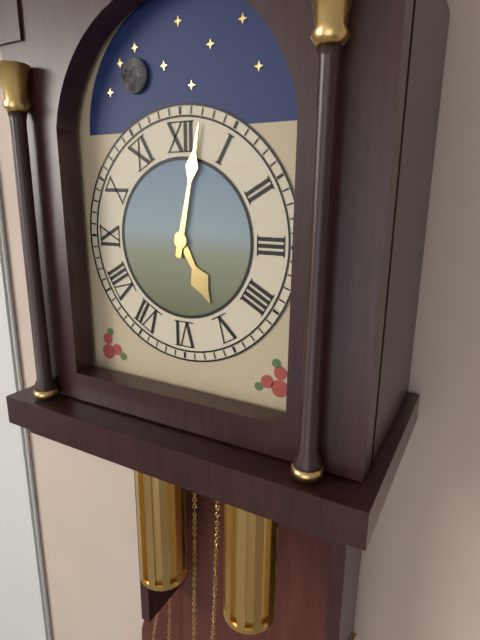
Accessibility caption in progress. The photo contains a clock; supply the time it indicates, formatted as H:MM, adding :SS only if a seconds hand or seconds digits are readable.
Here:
5:02
